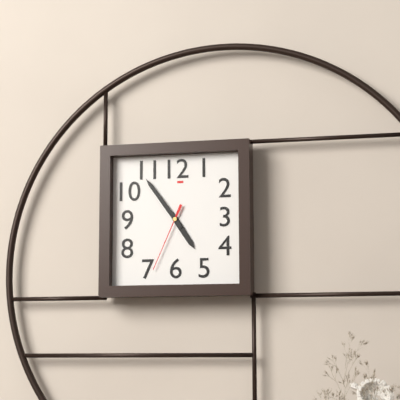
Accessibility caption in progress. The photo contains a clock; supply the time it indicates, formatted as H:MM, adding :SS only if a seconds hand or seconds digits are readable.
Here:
4:54:34
